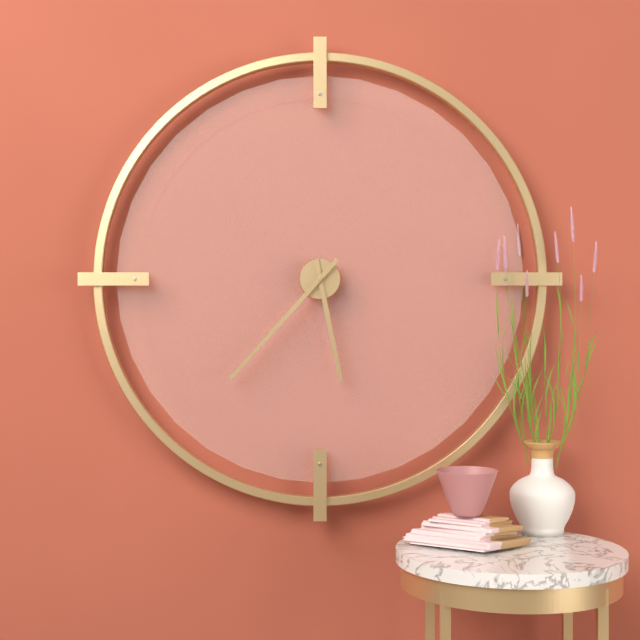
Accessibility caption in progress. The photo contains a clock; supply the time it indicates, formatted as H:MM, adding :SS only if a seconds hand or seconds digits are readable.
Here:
5:37
